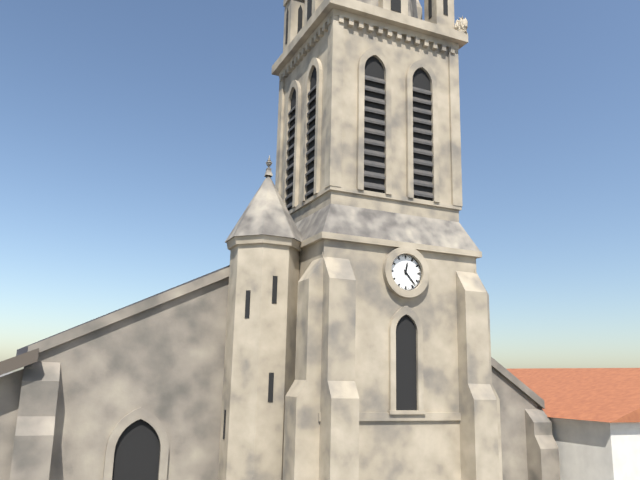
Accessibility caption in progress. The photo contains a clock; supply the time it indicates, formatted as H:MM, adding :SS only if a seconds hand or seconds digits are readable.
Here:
12:23
